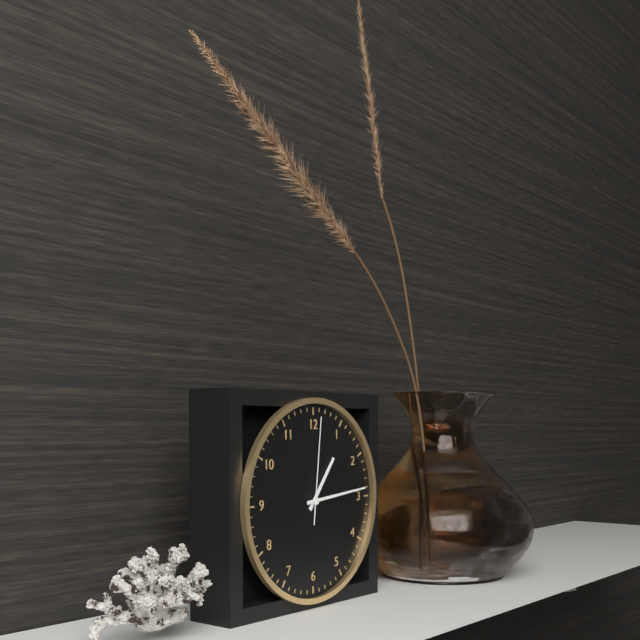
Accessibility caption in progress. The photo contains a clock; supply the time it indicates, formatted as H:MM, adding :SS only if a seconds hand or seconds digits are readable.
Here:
1:14:01
